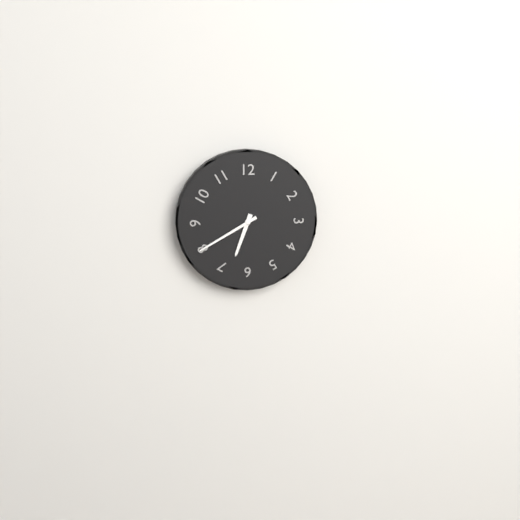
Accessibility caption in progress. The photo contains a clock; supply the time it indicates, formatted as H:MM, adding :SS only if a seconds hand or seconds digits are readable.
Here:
6:40
